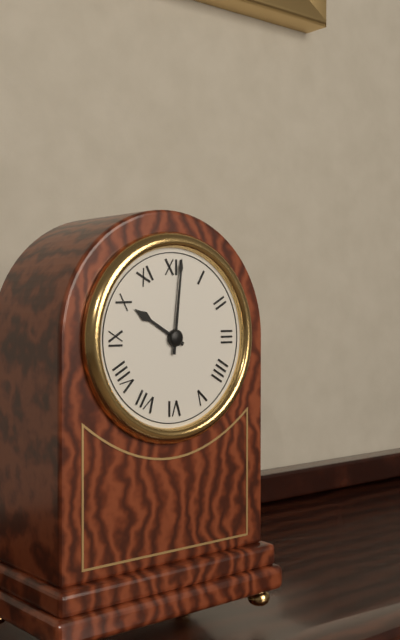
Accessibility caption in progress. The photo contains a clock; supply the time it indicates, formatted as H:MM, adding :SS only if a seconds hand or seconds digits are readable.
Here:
10:01
